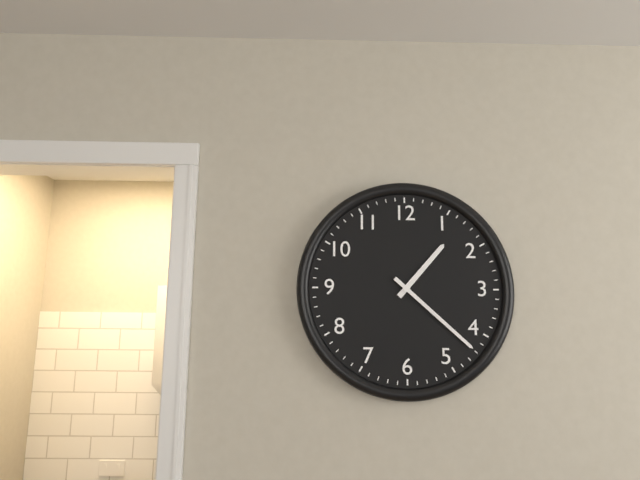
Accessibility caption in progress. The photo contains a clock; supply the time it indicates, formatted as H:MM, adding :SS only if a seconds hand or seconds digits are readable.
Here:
1:22
